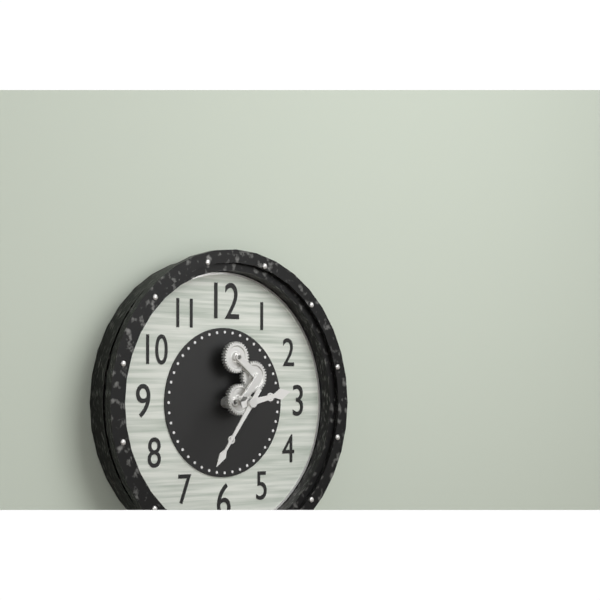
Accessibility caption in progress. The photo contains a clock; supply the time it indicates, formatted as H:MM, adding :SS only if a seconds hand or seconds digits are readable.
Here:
2:36
